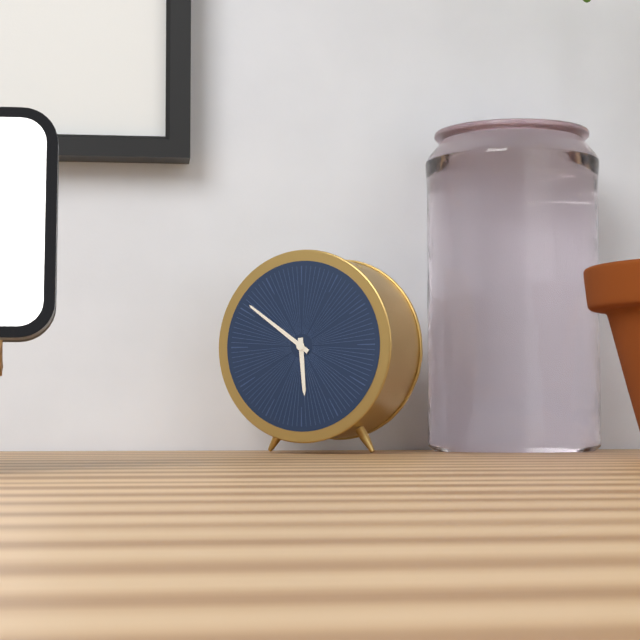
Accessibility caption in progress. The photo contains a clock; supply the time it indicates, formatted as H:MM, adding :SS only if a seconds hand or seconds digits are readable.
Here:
5:51
